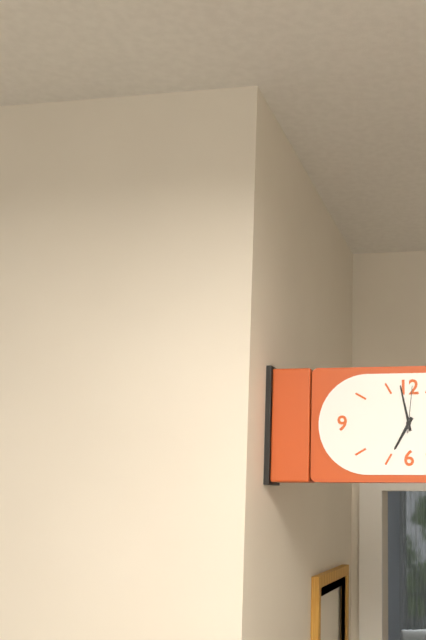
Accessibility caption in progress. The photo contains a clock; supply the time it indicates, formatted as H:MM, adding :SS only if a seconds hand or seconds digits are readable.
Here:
6:58
